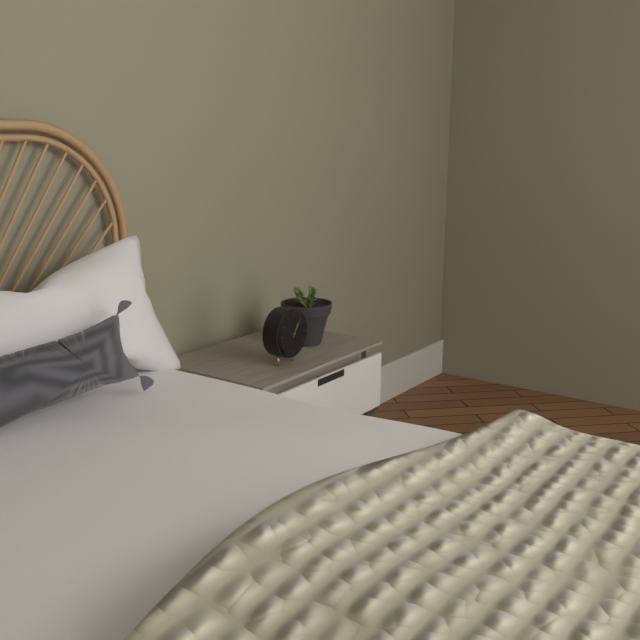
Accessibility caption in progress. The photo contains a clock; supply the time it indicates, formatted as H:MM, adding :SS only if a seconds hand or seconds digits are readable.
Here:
1:06
